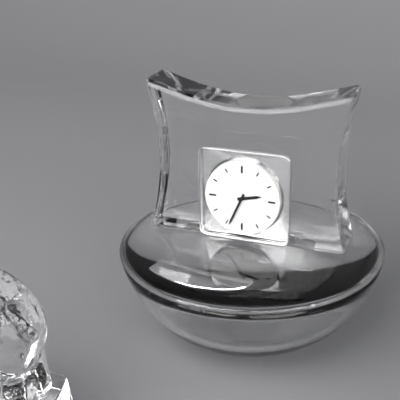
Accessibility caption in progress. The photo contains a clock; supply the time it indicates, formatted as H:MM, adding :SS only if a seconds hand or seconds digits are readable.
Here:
2:34
